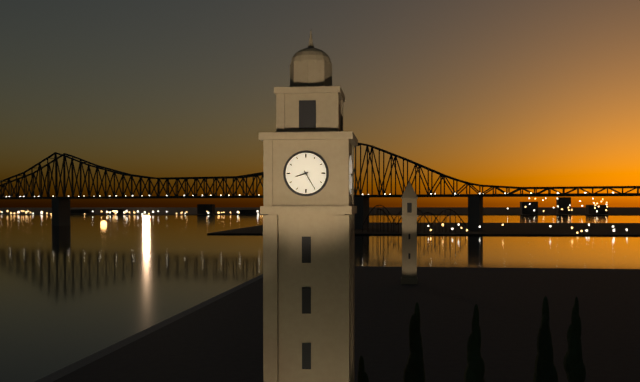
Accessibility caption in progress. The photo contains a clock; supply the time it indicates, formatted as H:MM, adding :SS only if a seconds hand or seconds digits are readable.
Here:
8:25
